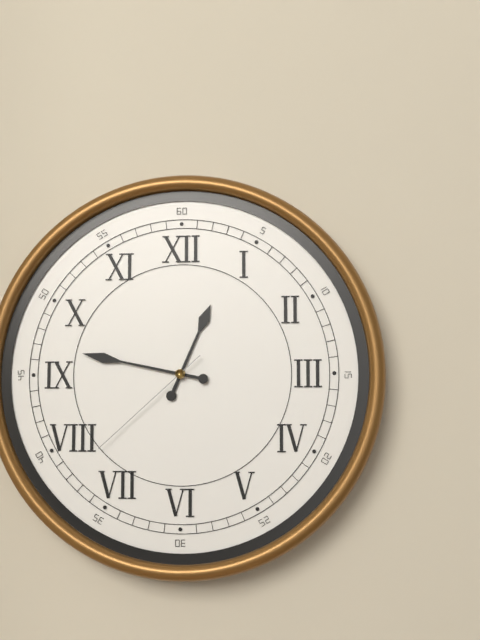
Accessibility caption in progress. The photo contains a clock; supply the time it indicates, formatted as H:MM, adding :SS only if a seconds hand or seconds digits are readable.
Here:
12:47:38
